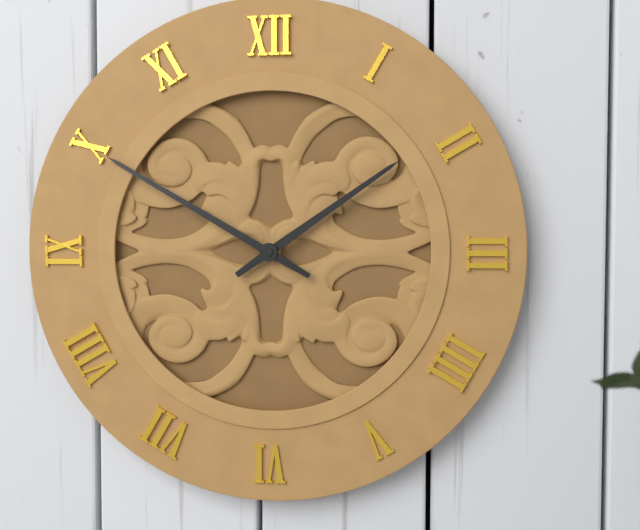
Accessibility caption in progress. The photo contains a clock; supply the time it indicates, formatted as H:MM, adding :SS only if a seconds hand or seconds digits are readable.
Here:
1:50
